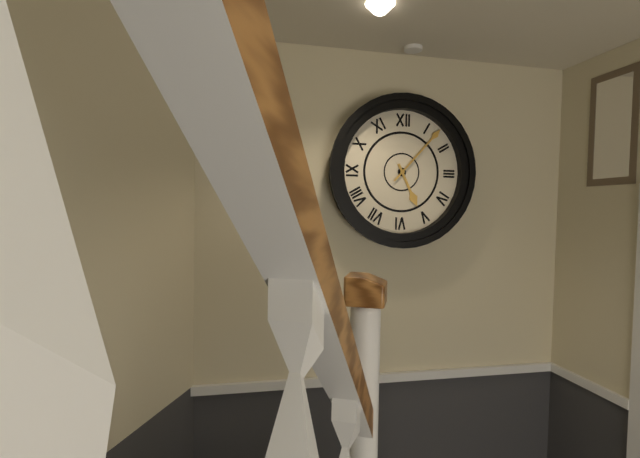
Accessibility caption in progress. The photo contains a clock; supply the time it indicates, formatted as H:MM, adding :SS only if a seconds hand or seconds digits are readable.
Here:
5:07
